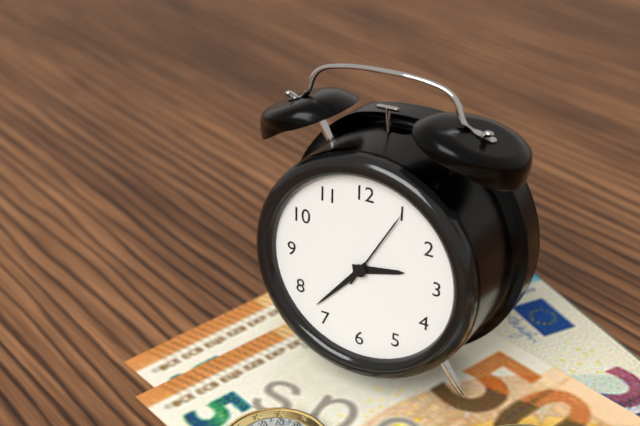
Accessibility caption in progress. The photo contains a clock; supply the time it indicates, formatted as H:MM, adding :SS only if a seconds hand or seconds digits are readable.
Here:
2:37:05
